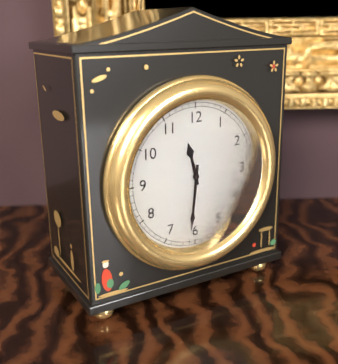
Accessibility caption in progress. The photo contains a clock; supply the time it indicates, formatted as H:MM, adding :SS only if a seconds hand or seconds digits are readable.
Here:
11:31
